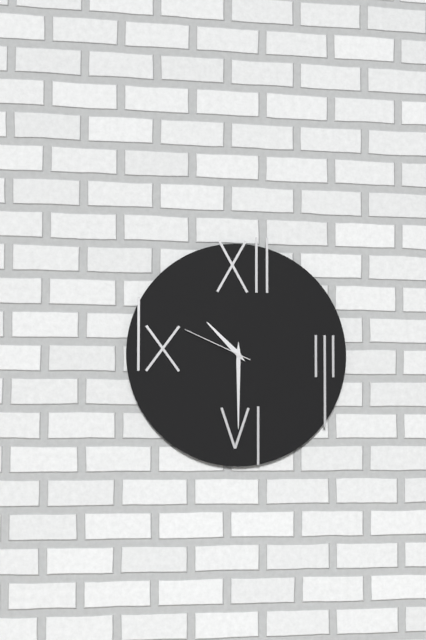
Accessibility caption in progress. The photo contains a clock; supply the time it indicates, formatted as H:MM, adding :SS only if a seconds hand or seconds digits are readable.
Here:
10:30:49
